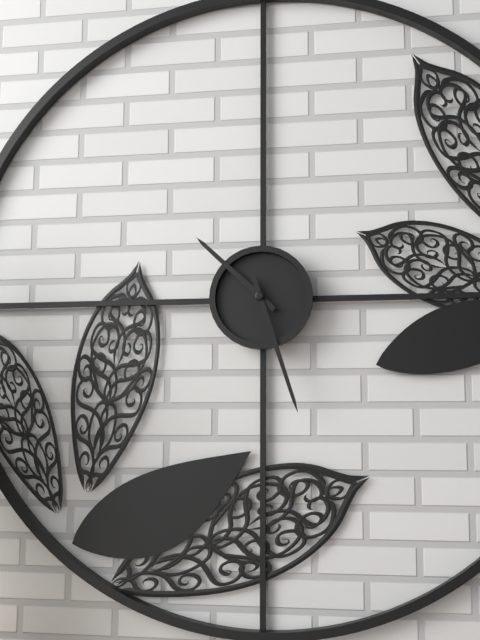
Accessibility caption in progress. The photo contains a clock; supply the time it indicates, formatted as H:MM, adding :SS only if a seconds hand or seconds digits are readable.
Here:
10:27
